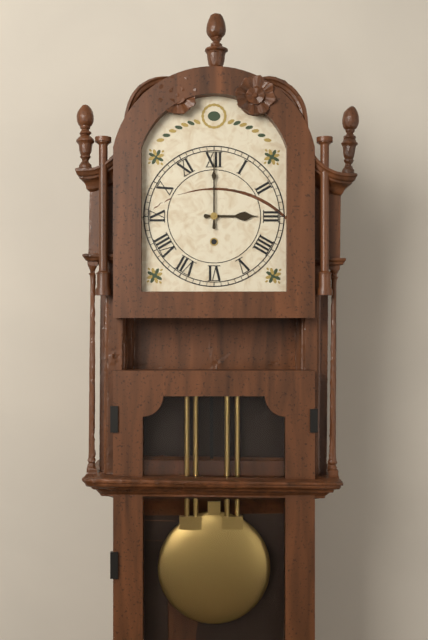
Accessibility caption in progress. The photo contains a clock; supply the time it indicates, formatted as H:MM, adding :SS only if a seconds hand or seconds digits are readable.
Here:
3:00
